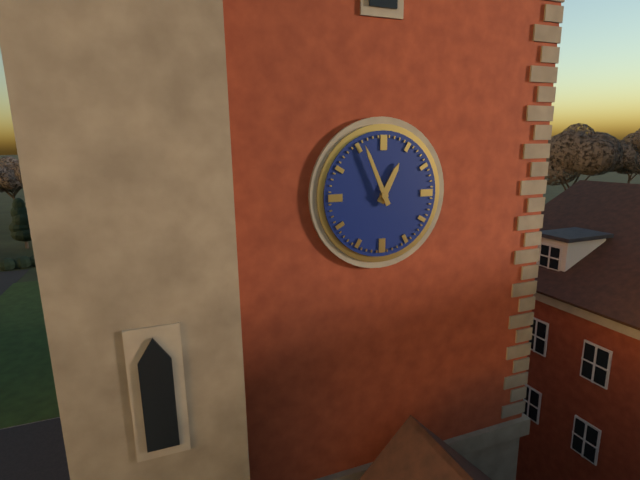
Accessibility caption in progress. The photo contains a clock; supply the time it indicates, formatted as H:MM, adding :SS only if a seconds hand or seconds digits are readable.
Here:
12:56
